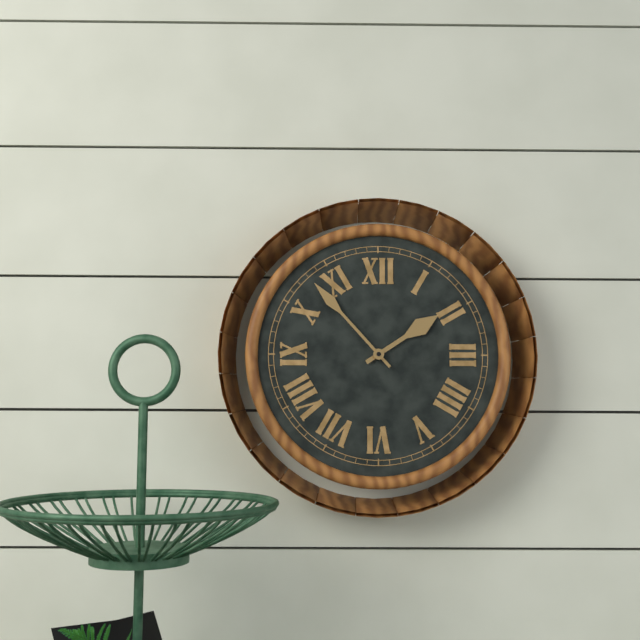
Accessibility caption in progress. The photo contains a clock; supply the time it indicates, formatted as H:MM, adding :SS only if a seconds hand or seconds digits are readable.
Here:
1:53
